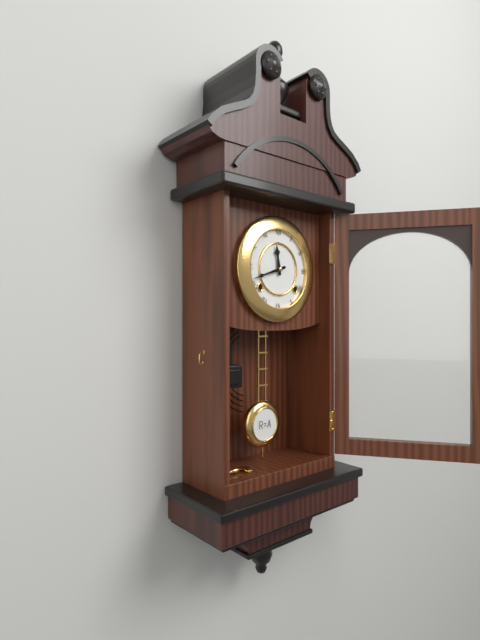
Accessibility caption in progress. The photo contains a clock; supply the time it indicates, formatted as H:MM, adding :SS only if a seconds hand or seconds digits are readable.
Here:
11:42
